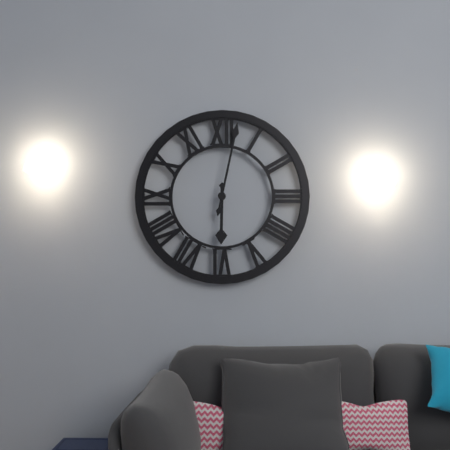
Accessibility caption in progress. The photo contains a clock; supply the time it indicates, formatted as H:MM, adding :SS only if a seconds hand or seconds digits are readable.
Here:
6:02
